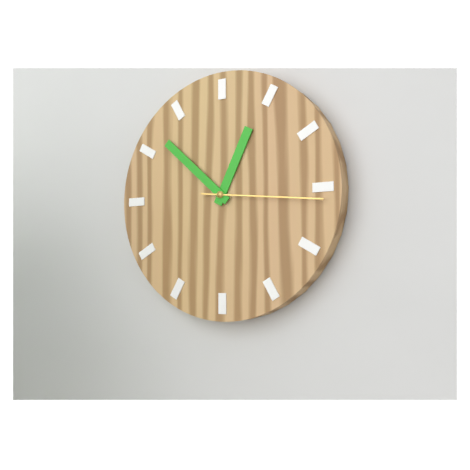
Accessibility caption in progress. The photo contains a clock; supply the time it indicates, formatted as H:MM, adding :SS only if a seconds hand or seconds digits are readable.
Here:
12:52:16
